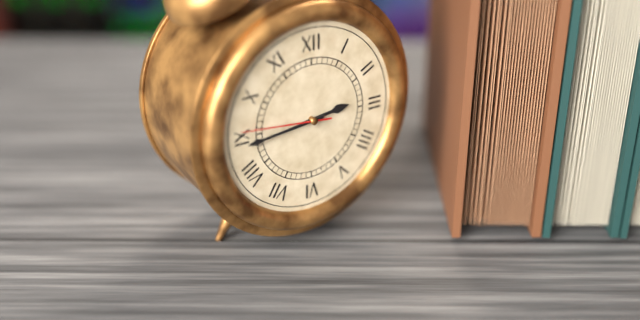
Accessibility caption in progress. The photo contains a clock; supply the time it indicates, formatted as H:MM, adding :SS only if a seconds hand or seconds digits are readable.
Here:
2:44:46
